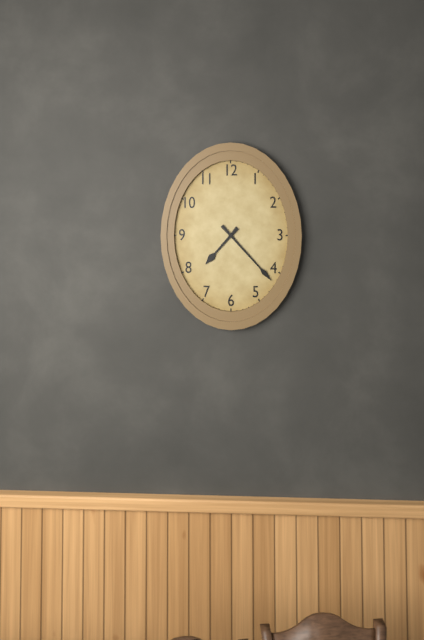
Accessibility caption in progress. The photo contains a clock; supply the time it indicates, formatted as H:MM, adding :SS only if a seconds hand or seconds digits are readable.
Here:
7:23
